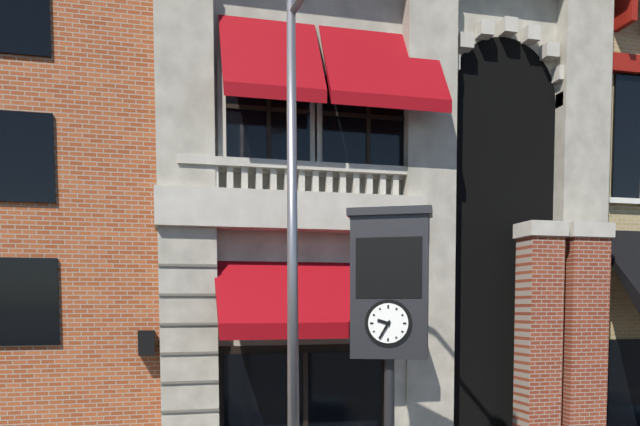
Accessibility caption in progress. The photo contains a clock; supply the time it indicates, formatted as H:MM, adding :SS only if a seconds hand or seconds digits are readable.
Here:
9:35
